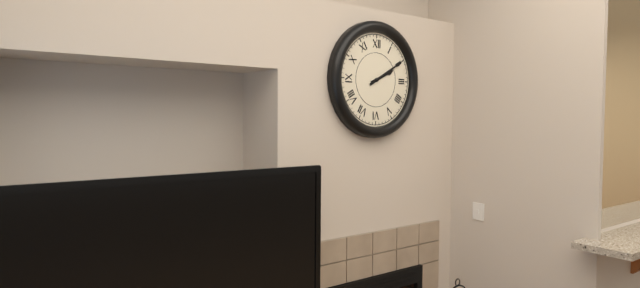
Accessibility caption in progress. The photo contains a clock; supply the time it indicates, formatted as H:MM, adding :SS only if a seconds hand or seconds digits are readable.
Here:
2:10
